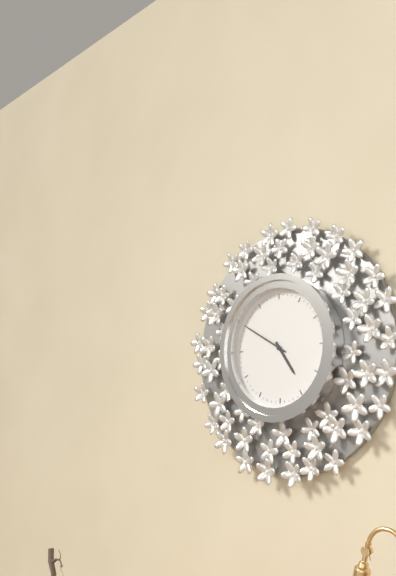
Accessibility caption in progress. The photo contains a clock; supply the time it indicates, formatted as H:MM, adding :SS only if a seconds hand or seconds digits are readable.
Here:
4:50
